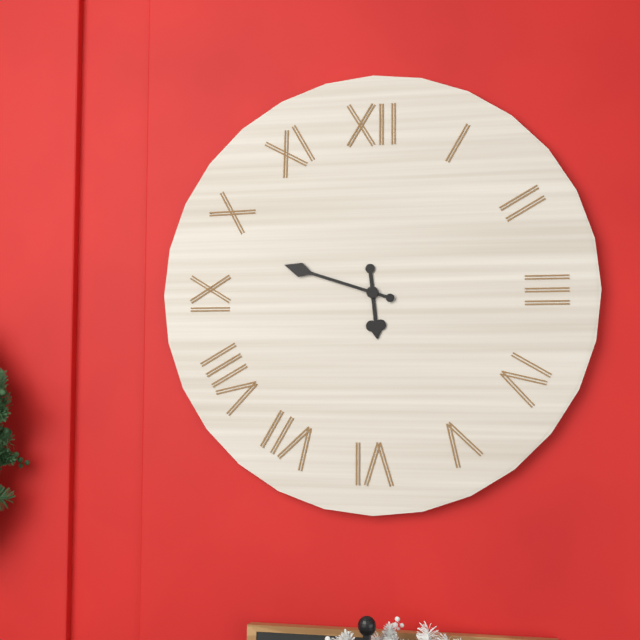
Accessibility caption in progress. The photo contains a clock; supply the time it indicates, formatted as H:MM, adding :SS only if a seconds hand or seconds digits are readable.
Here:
5:48
